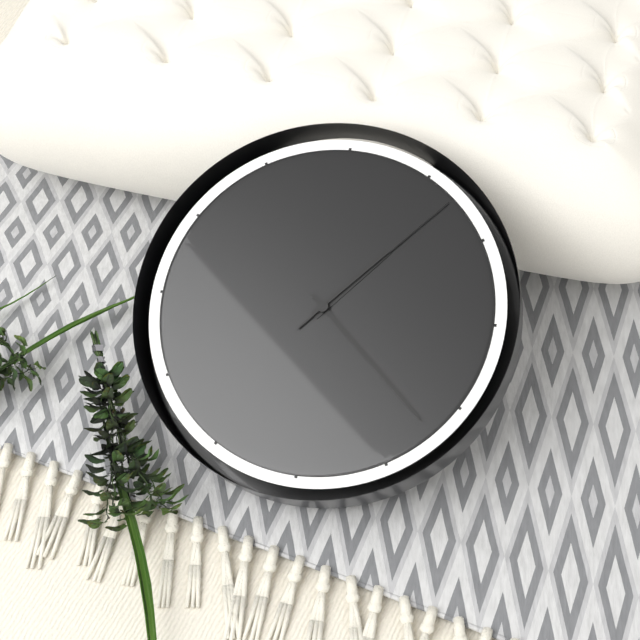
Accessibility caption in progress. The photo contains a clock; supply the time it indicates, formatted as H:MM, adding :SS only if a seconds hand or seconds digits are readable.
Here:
1:22:07
